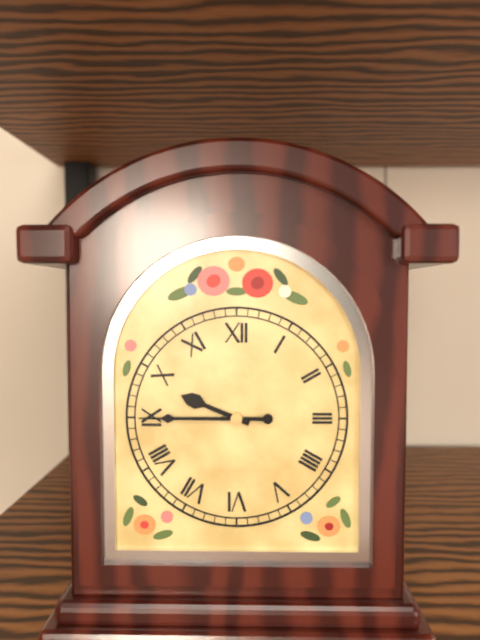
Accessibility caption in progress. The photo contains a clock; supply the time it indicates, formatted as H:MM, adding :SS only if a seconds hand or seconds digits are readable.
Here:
9:45
